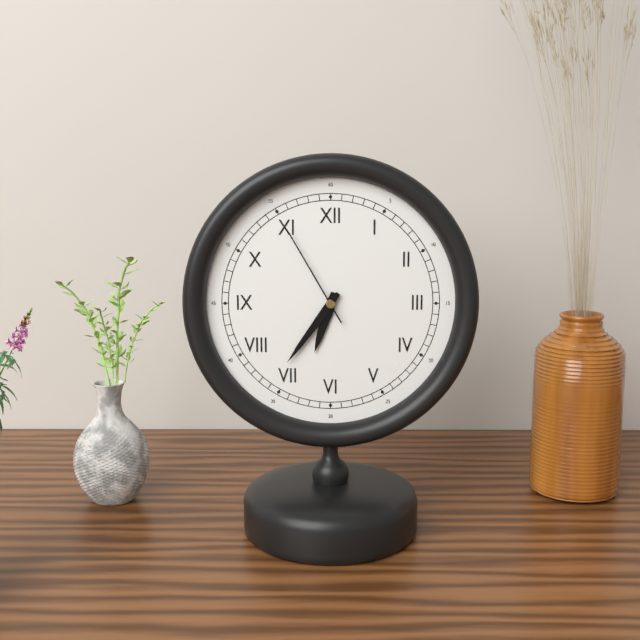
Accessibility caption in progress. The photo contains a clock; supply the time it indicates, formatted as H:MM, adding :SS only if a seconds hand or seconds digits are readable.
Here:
6:36:55
